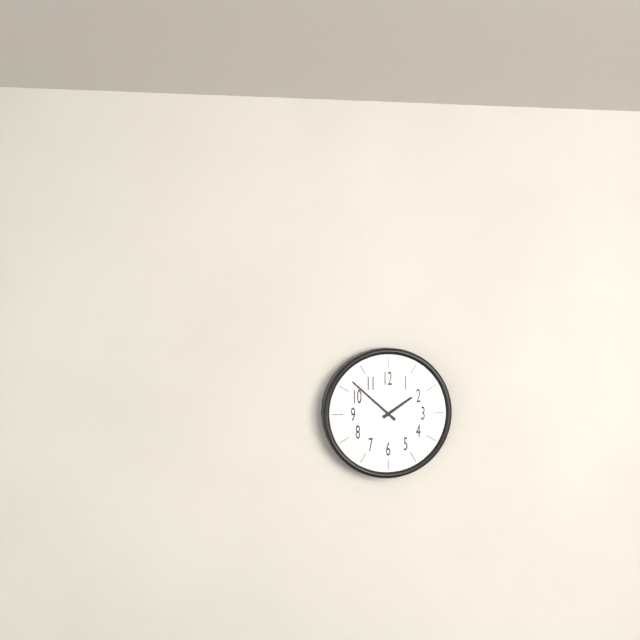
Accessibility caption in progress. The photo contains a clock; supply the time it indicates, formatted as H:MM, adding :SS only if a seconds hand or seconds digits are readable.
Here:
1:52
